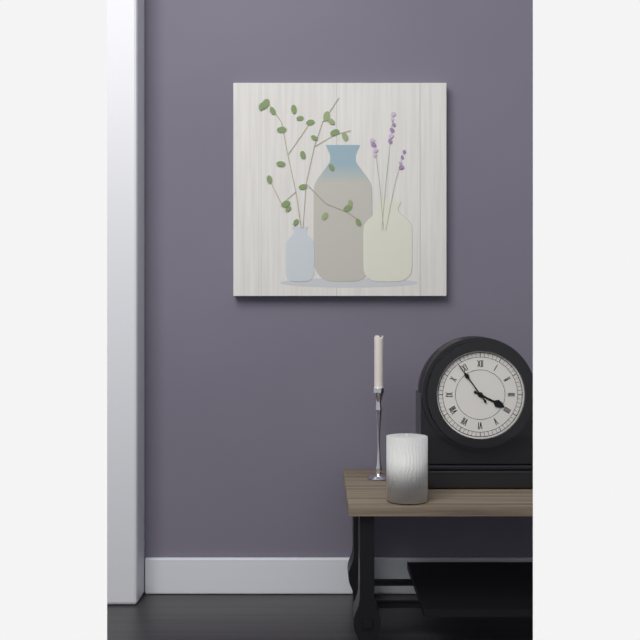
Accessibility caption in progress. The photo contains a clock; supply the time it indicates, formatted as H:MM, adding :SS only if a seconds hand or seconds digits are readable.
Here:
3:54
